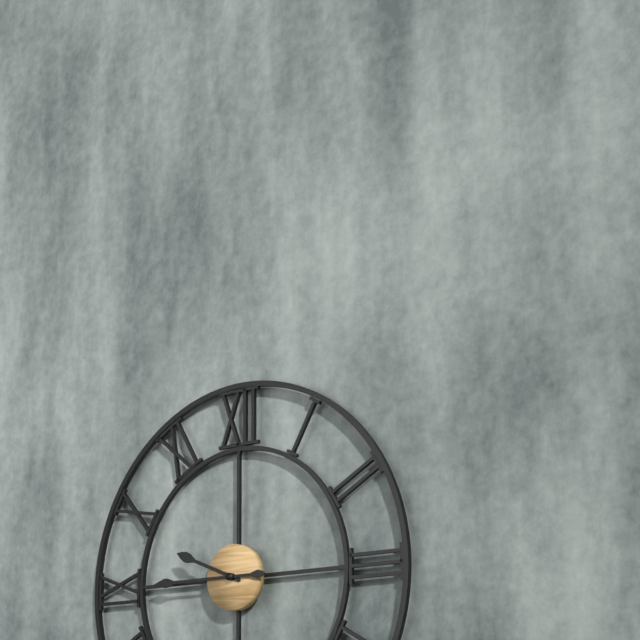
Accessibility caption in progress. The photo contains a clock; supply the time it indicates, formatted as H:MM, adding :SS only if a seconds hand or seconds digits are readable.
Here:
9:45
